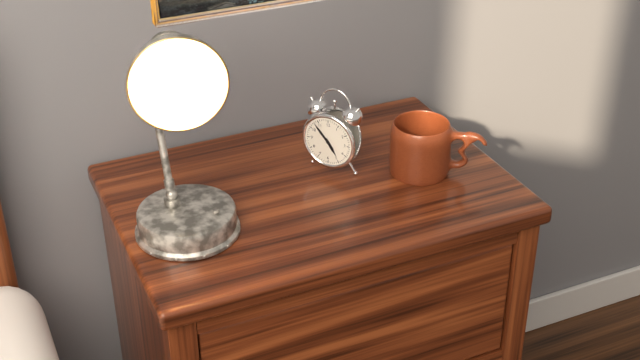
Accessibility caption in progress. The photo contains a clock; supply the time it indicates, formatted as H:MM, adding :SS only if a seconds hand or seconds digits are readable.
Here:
4:53
